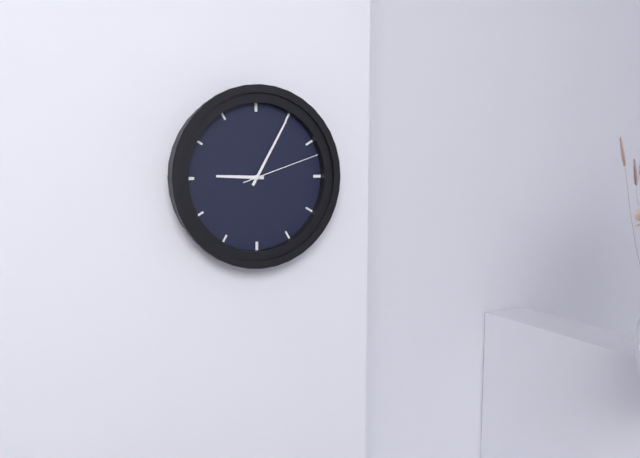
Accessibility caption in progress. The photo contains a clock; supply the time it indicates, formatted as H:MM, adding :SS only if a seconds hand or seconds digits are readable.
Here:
9:05:12
